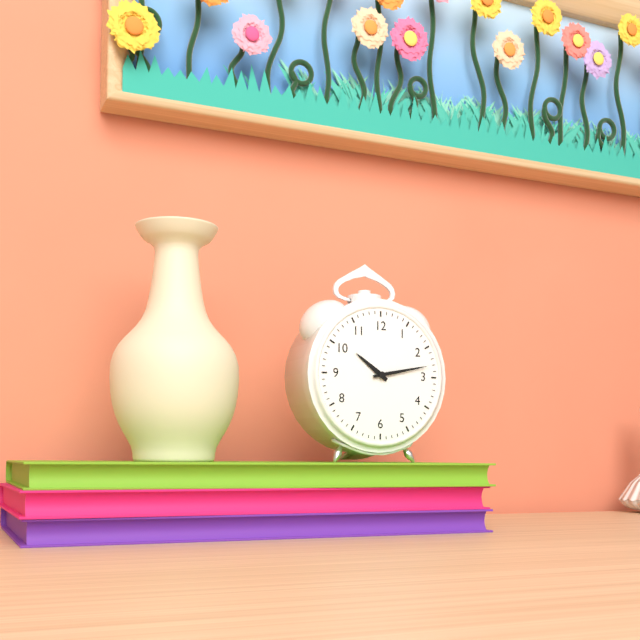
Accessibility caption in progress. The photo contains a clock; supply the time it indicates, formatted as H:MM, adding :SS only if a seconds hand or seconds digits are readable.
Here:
10:13
